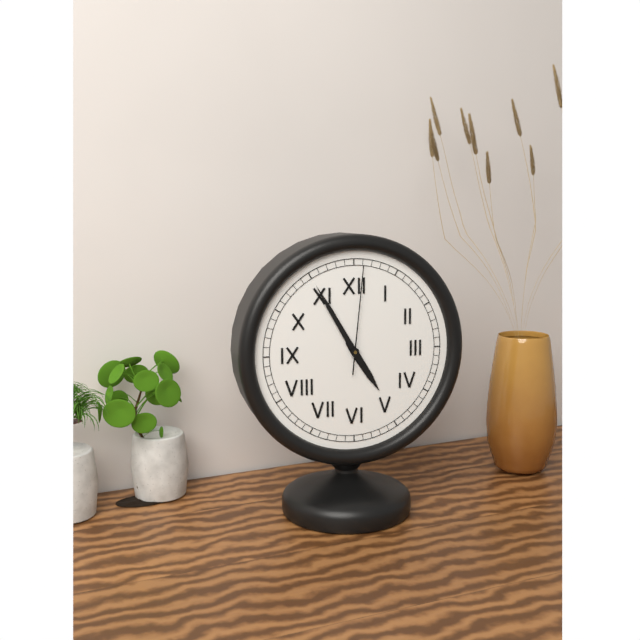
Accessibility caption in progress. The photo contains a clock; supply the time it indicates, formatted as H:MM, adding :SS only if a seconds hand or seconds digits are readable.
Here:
4:55:01
